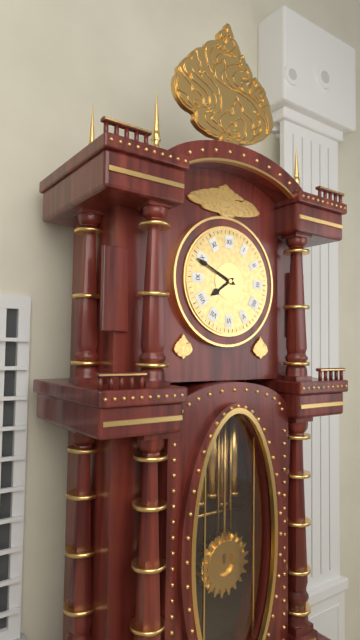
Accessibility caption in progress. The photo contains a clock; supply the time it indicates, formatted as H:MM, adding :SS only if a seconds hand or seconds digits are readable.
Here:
7:49
